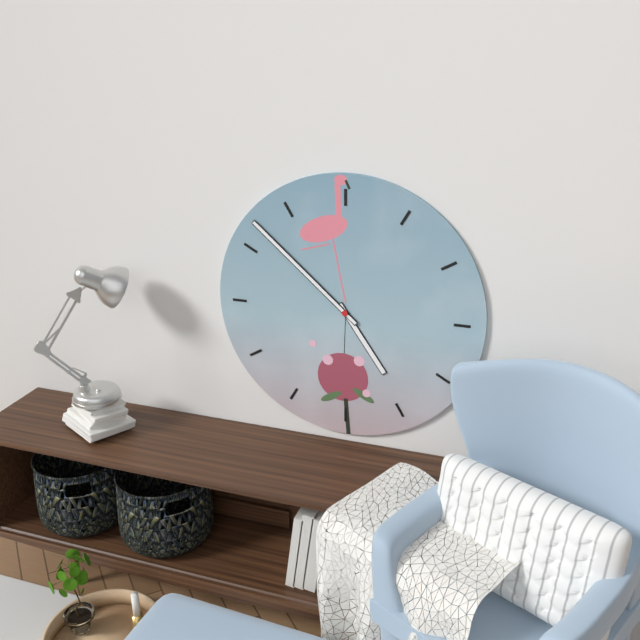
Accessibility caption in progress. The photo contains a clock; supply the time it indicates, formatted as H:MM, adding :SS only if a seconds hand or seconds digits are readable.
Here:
4:52
